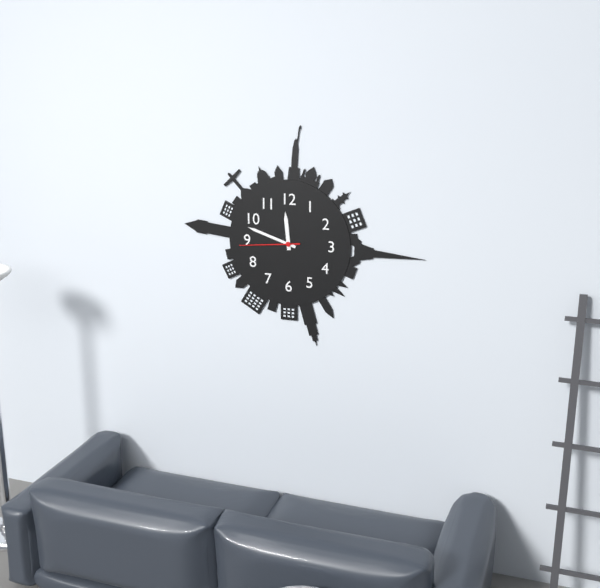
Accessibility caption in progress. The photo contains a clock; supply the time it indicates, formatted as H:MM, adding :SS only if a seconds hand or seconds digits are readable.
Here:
11:48:44
